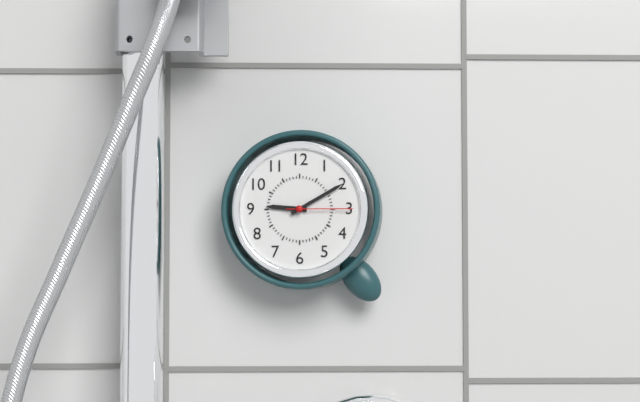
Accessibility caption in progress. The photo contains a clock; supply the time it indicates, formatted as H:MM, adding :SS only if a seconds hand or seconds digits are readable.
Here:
9:10:15
